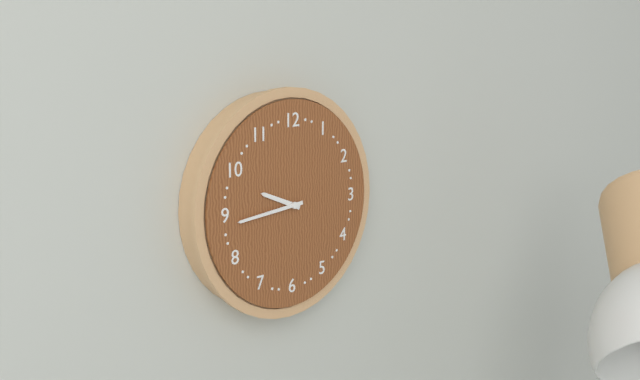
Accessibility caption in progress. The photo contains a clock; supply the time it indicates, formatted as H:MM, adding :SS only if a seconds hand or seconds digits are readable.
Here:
9:44
